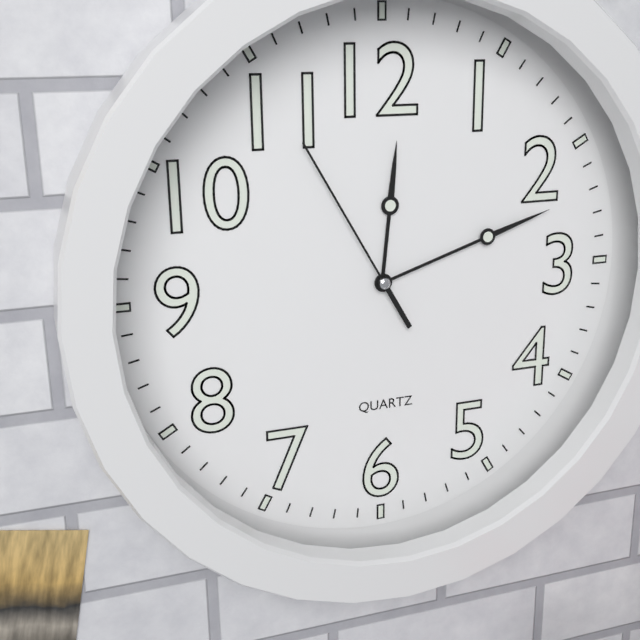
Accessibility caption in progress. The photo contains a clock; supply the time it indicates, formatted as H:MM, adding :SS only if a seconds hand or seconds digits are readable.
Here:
12:12:55
